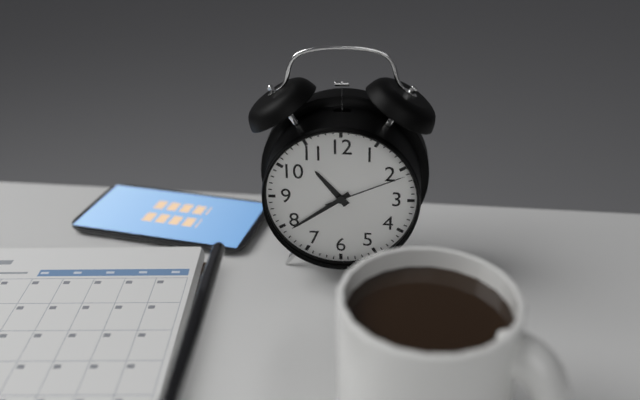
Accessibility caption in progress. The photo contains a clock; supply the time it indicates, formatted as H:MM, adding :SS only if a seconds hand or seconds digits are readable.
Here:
10:39:11
